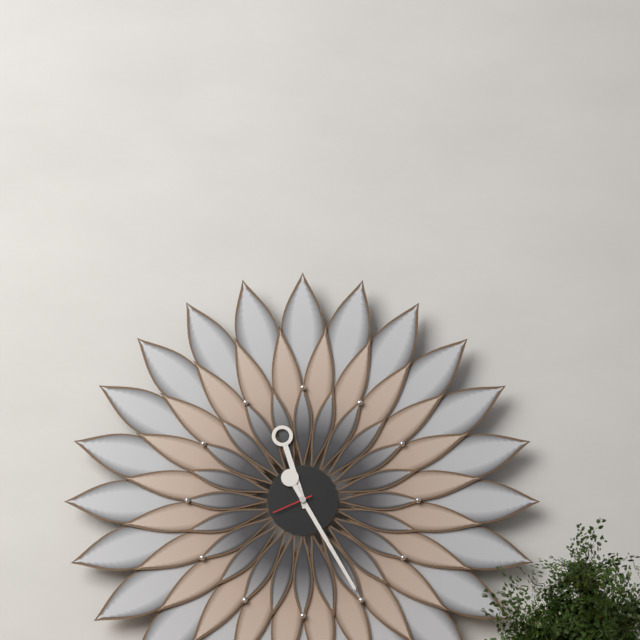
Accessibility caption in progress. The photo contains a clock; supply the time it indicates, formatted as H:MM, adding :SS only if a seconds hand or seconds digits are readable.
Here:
11:25
